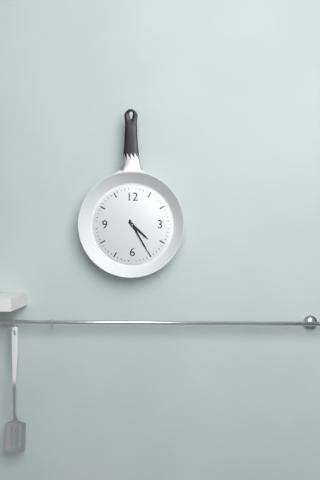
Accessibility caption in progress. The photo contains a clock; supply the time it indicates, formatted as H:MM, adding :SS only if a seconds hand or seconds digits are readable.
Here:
4:25
